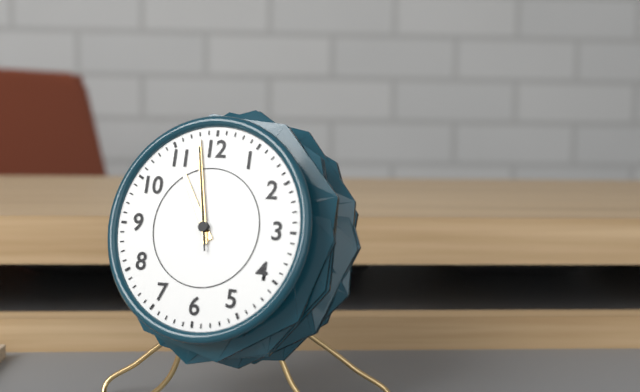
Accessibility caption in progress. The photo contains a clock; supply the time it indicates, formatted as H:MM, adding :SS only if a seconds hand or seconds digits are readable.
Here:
10:58:58
